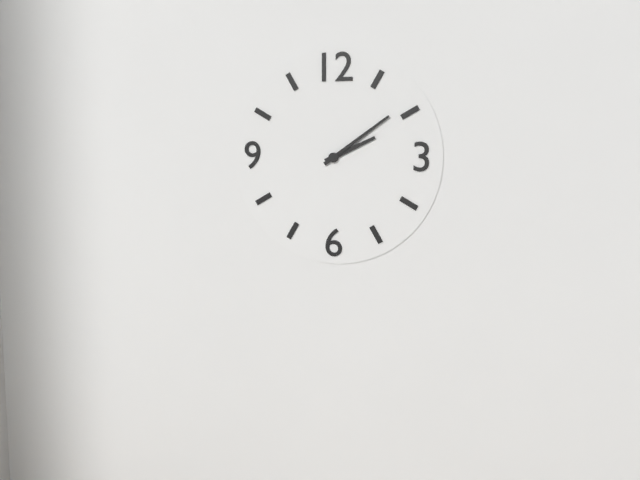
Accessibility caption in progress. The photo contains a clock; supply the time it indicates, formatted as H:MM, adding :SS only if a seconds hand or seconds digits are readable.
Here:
2:09
